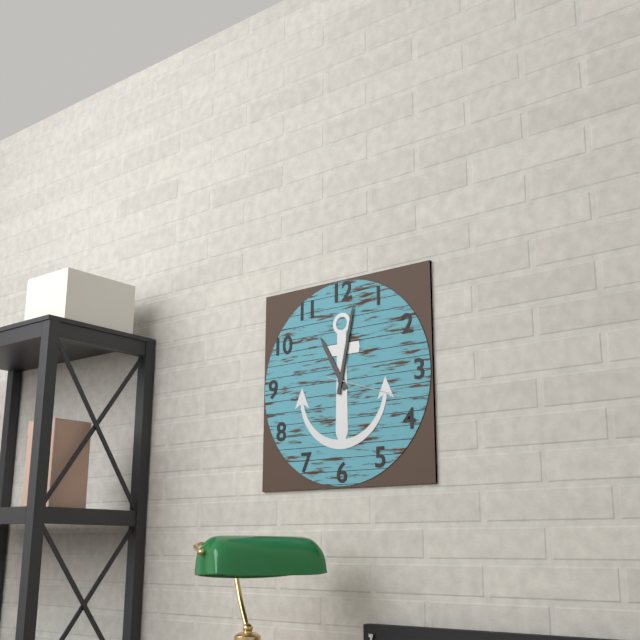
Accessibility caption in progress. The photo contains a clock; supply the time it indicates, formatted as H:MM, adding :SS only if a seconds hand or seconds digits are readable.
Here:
11:02:18
